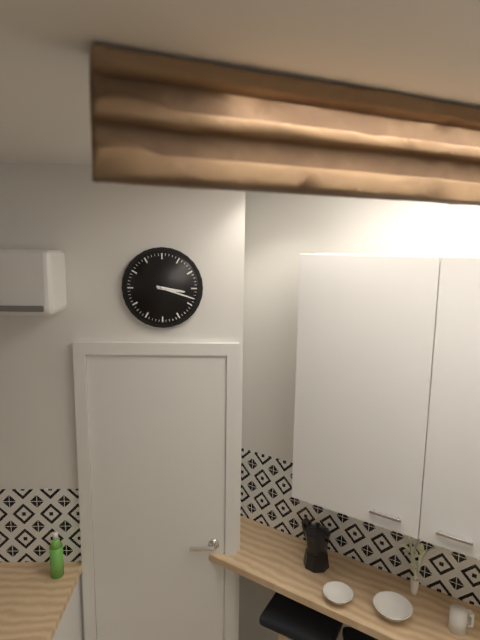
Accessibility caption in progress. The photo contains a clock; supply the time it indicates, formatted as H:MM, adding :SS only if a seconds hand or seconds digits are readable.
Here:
3:18
